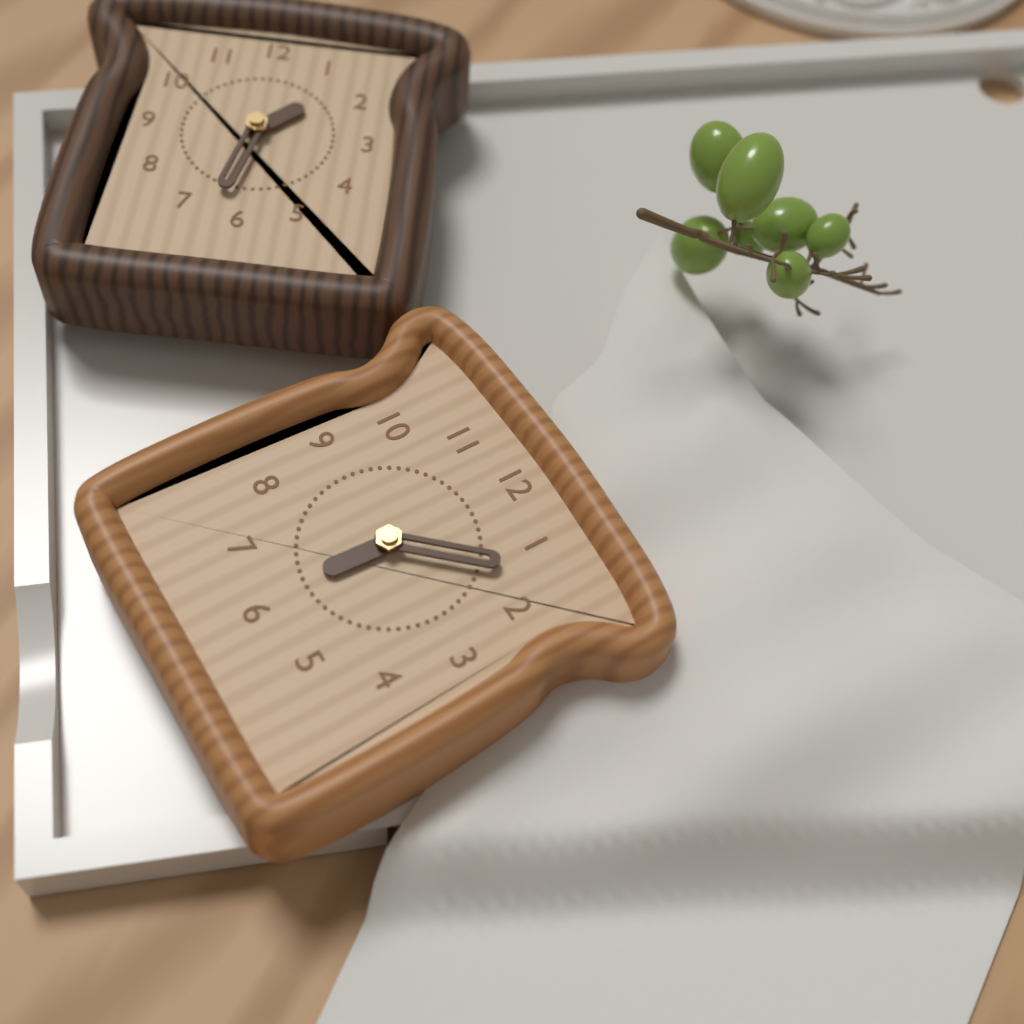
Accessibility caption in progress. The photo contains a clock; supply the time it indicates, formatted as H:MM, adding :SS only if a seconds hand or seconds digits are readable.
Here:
6:07
